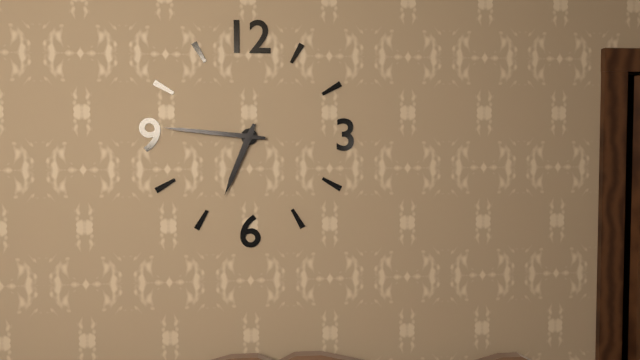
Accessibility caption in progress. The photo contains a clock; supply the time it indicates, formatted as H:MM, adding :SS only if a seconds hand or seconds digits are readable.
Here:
6:46
